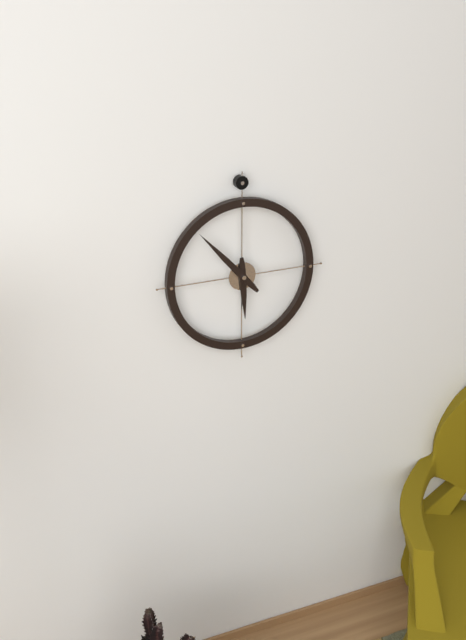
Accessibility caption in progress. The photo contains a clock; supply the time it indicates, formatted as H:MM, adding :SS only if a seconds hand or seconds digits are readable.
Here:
5:53
